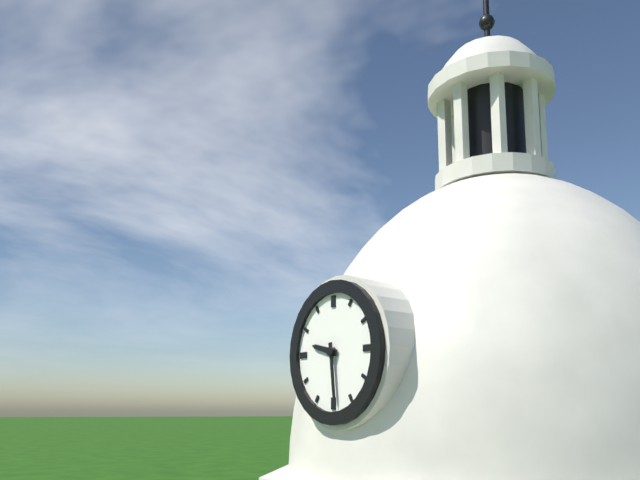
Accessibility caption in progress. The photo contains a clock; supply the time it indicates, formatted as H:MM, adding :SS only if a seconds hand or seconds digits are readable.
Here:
9:29
